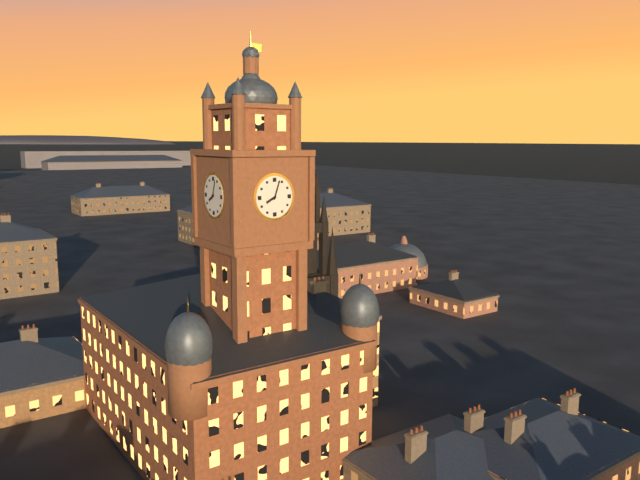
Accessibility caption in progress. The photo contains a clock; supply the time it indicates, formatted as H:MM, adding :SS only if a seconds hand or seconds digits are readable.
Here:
8:03
